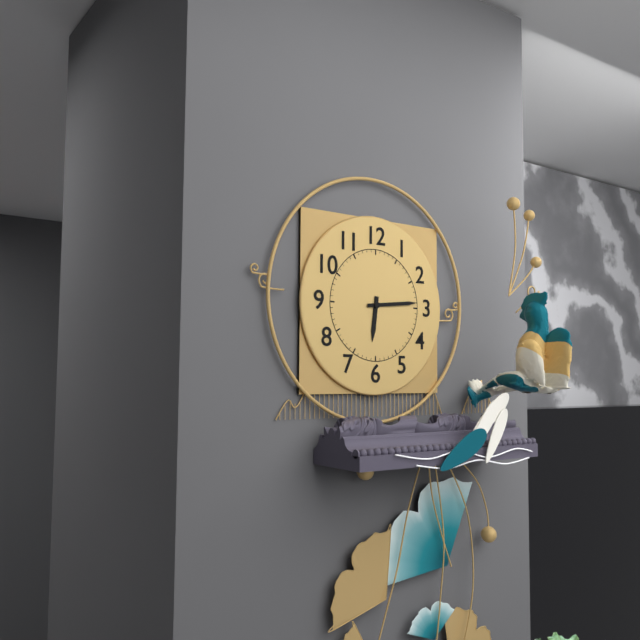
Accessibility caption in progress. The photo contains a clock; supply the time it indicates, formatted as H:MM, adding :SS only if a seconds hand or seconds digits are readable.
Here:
6:14
